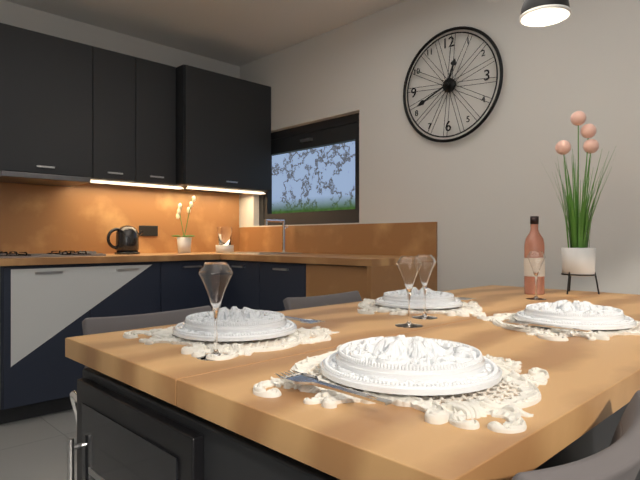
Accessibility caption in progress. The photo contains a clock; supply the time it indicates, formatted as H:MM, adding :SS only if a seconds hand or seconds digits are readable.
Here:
12:41
